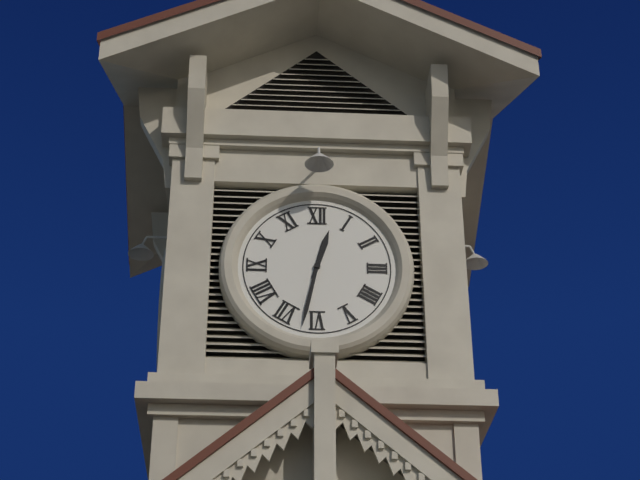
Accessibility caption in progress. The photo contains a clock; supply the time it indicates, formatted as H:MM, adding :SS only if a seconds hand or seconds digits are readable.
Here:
12:32
